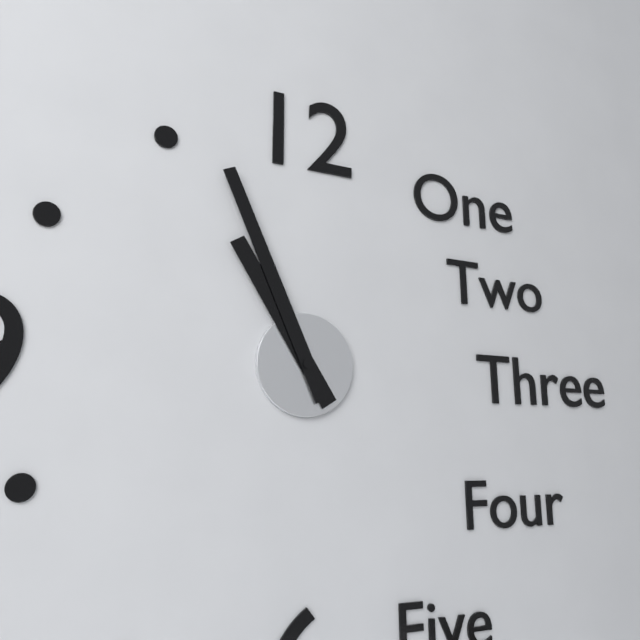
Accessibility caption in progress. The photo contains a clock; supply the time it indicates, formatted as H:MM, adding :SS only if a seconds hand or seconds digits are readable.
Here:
10:56
